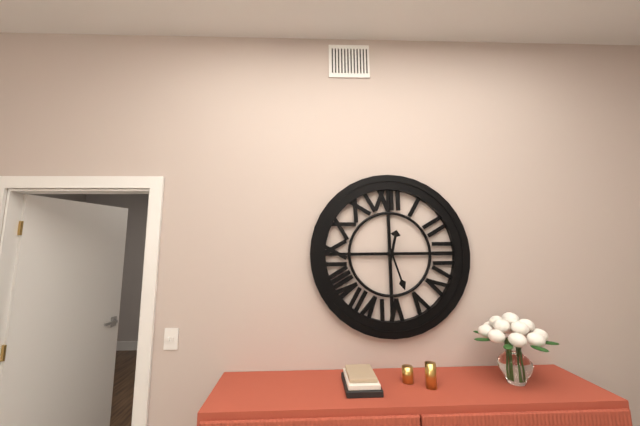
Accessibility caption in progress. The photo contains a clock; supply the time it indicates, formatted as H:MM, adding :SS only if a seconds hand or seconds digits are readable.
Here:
12:27
